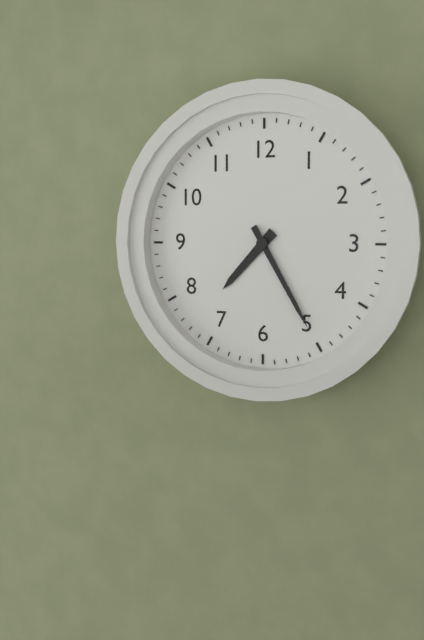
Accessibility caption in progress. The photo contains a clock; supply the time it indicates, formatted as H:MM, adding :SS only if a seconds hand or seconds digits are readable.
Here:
7:25
